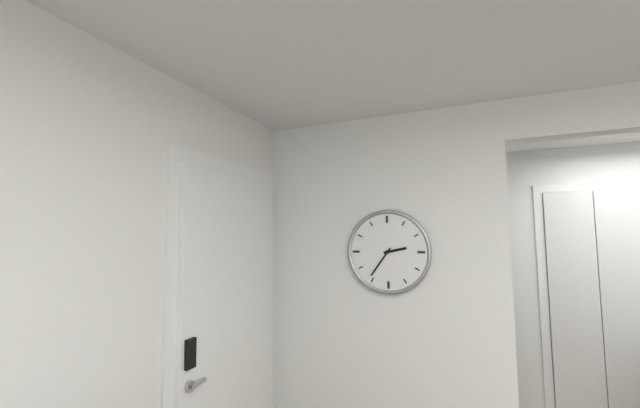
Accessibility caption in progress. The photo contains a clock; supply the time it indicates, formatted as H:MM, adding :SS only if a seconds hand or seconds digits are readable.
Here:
2:36
